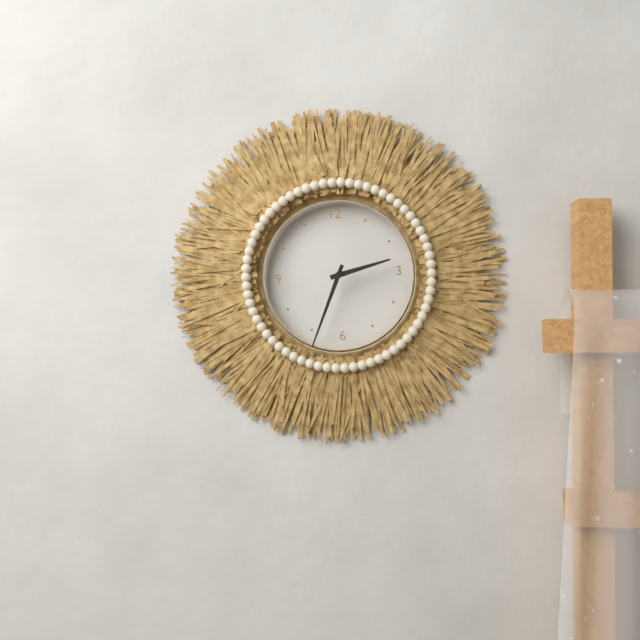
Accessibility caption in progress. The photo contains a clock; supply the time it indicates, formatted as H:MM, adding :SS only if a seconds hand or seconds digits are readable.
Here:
2:34
